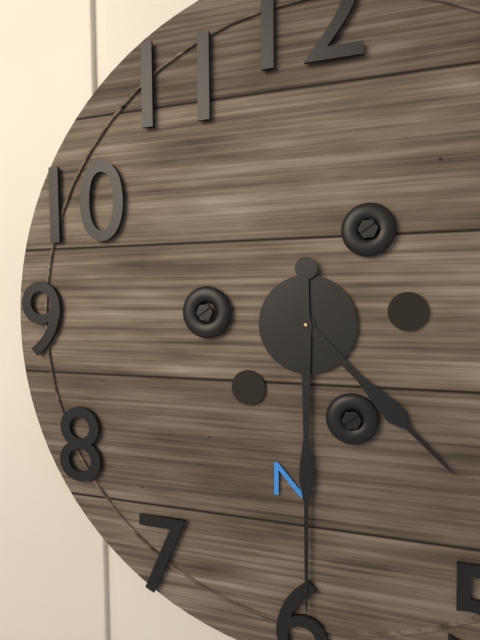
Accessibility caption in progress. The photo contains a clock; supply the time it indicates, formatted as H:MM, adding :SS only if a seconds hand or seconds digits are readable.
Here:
4:30
